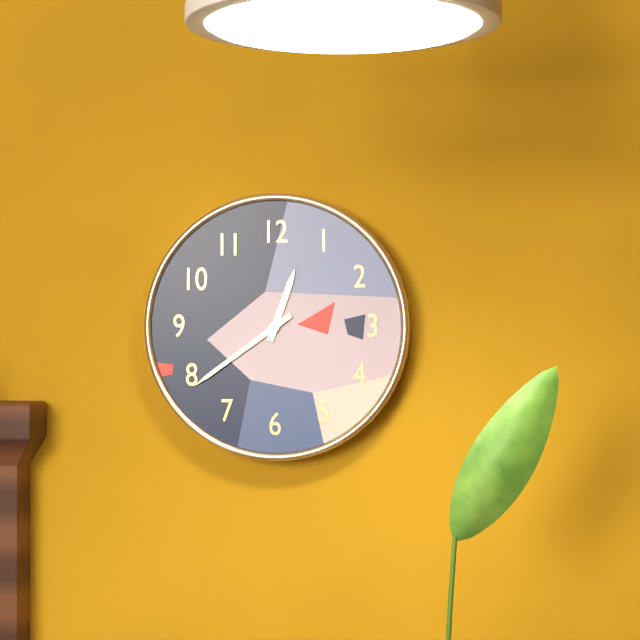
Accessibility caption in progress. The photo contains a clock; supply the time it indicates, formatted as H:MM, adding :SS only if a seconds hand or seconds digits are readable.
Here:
12:39
